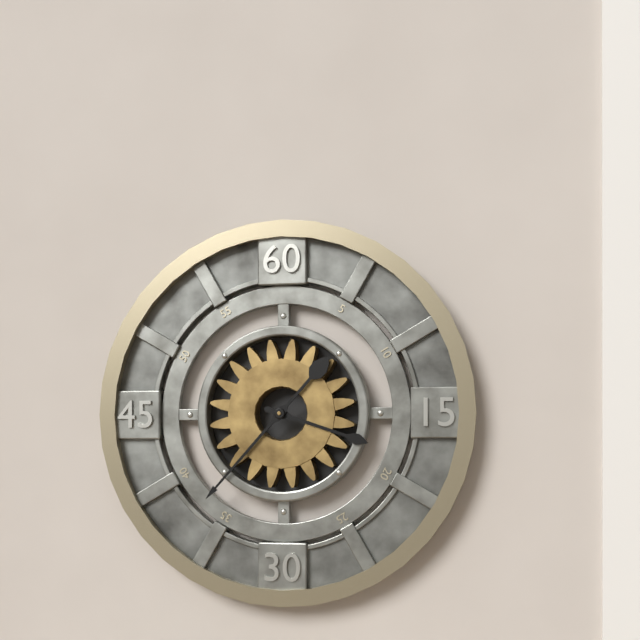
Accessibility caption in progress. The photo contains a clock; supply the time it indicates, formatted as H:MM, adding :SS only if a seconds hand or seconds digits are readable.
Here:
3:37
